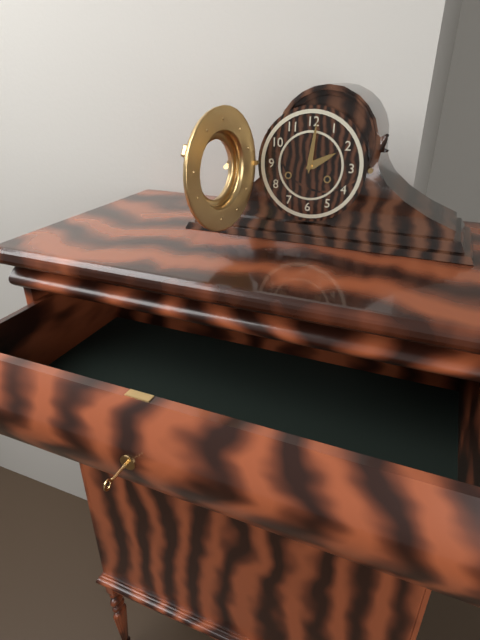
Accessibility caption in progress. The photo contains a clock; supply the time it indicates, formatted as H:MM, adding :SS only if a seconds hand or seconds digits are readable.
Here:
2:01
